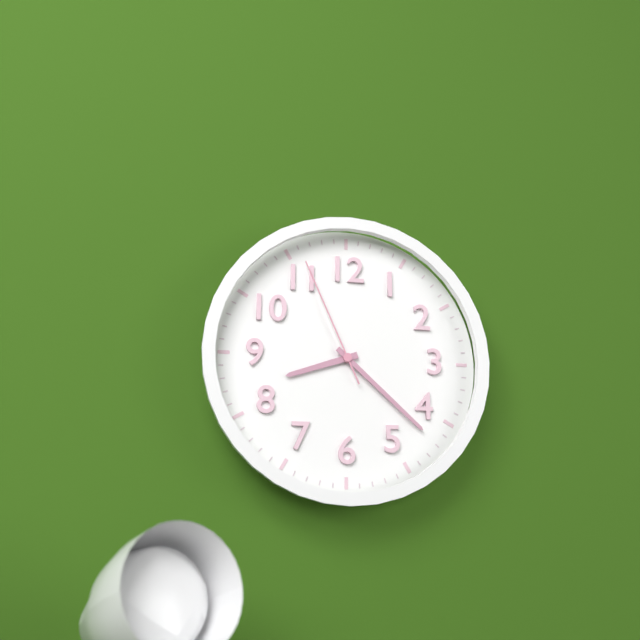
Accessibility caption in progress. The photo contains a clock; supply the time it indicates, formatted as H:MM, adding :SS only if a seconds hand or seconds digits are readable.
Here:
8:22:56
